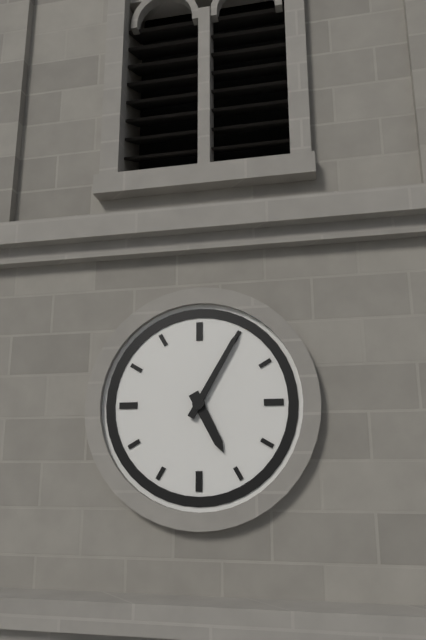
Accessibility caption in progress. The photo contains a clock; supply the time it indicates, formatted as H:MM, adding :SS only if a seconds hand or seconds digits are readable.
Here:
5:05
